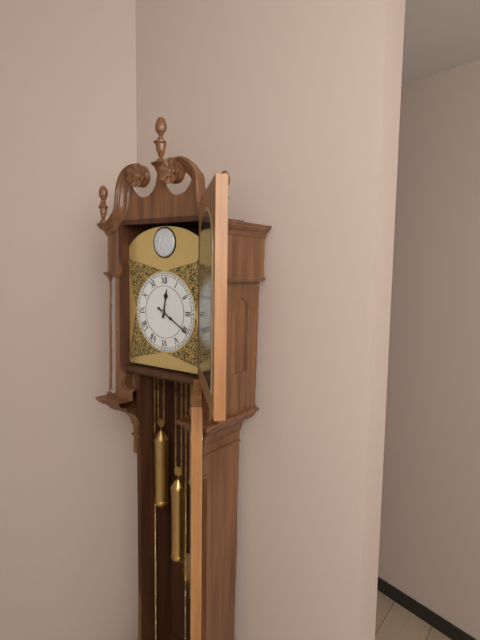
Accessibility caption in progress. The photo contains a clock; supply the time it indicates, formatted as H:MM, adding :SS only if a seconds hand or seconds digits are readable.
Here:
12:20
